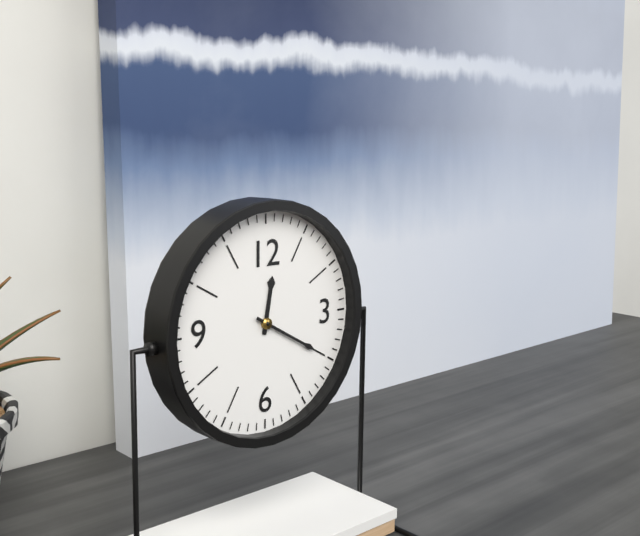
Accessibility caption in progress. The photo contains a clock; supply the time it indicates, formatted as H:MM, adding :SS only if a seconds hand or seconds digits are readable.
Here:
12:20
